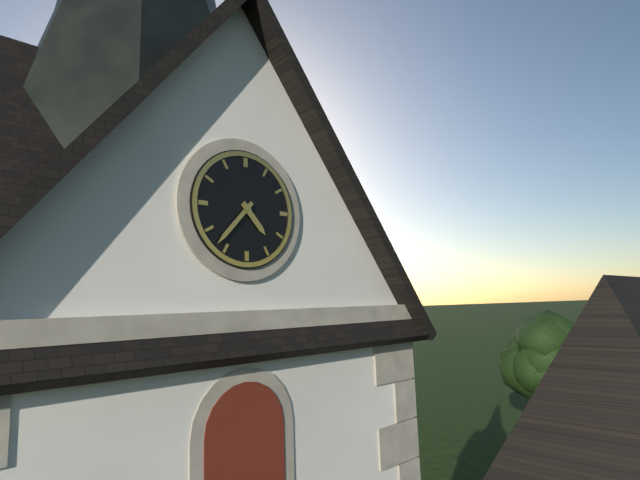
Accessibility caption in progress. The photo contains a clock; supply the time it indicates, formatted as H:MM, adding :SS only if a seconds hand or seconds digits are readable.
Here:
4:37
